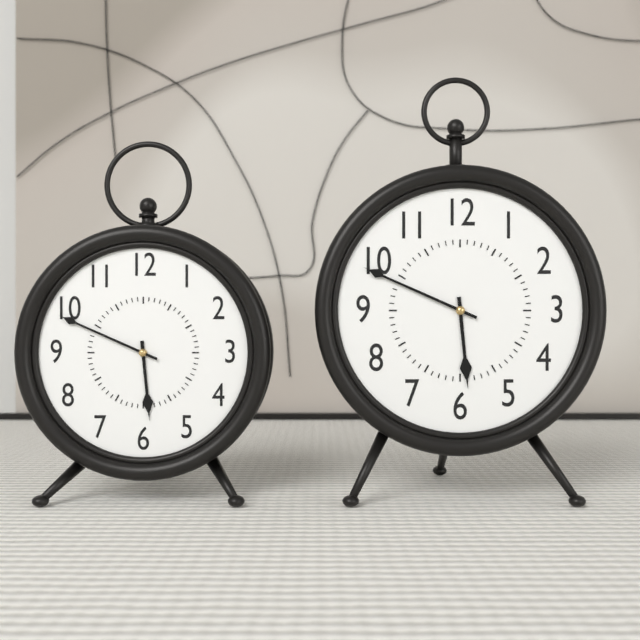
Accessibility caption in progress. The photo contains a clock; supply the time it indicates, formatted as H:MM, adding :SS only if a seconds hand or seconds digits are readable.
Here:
5:49
